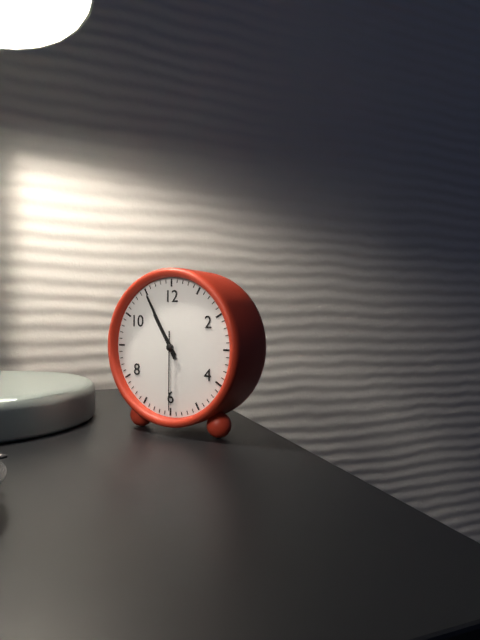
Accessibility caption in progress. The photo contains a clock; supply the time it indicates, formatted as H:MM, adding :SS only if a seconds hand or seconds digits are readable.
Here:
10:55:30
